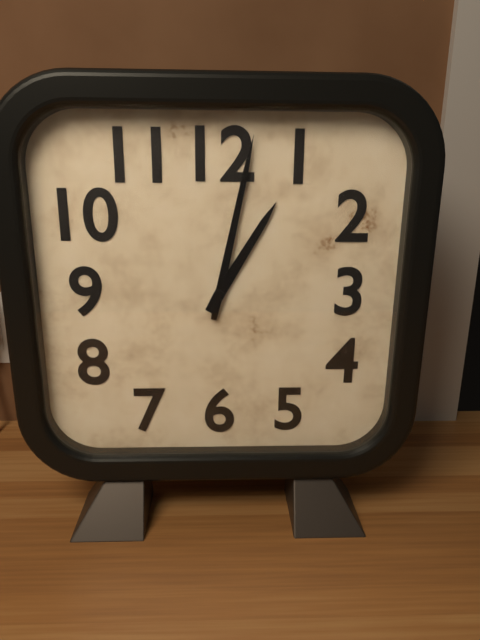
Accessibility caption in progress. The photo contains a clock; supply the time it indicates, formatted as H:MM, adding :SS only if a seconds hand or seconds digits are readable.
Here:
1:02
